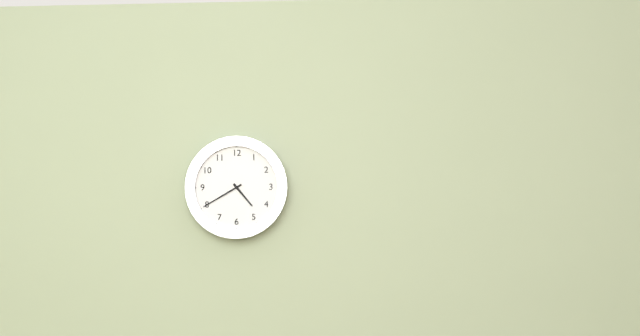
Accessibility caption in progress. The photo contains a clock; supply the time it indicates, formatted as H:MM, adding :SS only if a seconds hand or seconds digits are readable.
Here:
4:40
